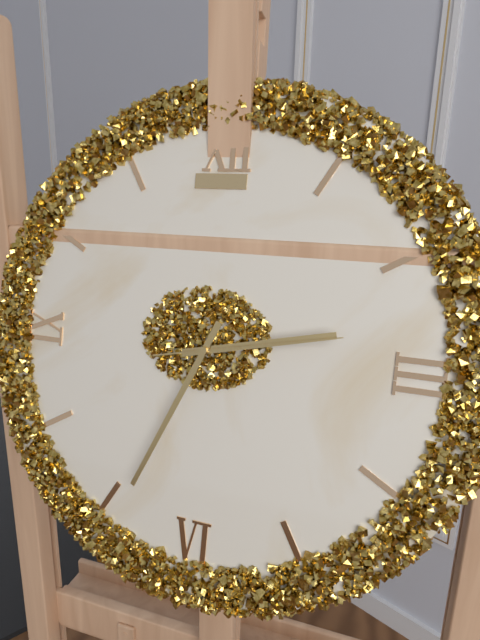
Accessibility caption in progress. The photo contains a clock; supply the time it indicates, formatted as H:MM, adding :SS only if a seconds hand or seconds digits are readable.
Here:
2:34:13
